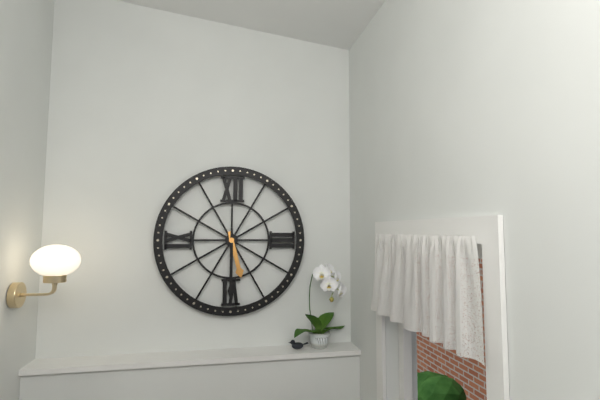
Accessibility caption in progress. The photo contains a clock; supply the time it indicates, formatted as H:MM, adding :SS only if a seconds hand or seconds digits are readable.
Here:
5:30
